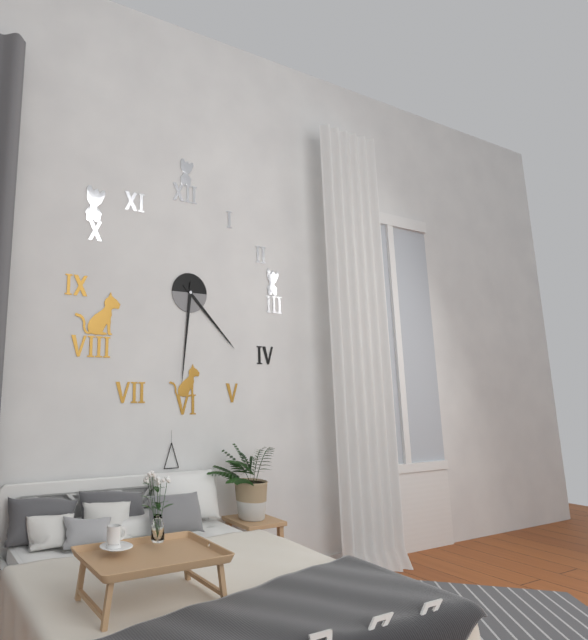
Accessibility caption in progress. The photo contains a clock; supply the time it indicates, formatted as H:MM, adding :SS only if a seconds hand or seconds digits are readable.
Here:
4:31
